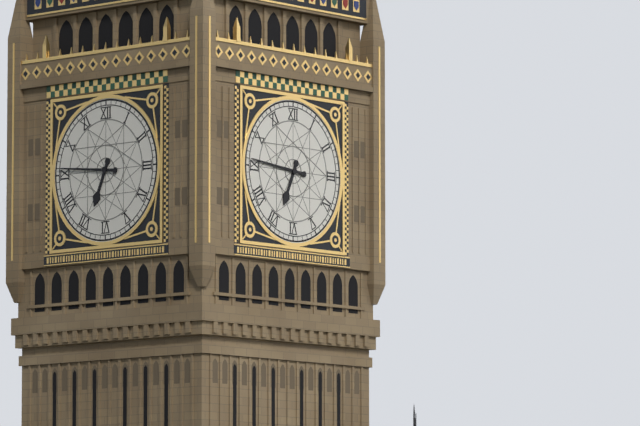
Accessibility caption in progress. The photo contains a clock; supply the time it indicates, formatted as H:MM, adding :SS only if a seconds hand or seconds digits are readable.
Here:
6:46
